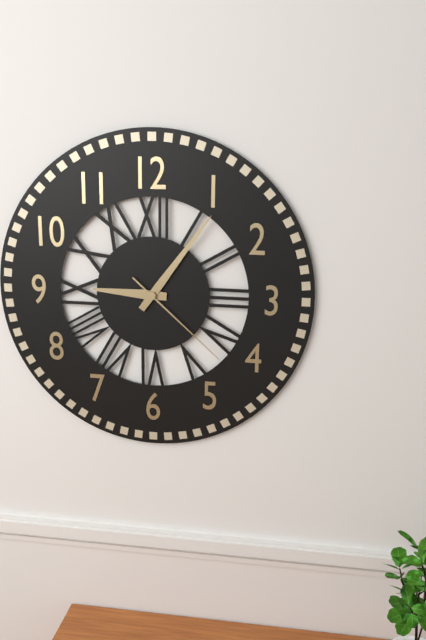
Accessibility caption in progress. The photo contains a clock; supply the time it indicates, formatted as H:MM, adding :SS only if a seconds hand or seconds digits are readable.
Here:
9:06:22
